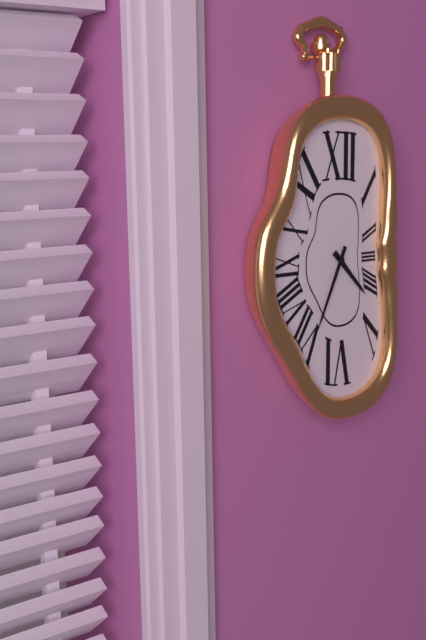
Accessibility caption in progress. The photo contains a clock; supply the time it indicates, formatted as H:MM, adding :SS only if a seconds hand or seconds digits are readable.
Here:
4:34
